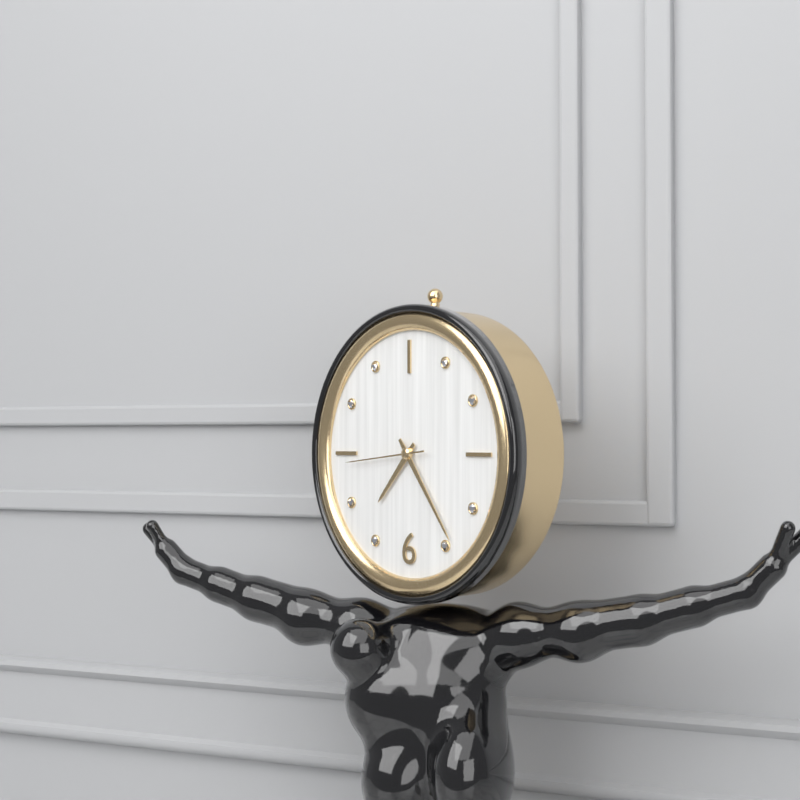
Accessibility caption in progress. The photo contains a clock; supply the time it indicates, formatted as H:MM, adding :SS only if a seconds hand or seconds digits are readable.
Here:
7:24:44
